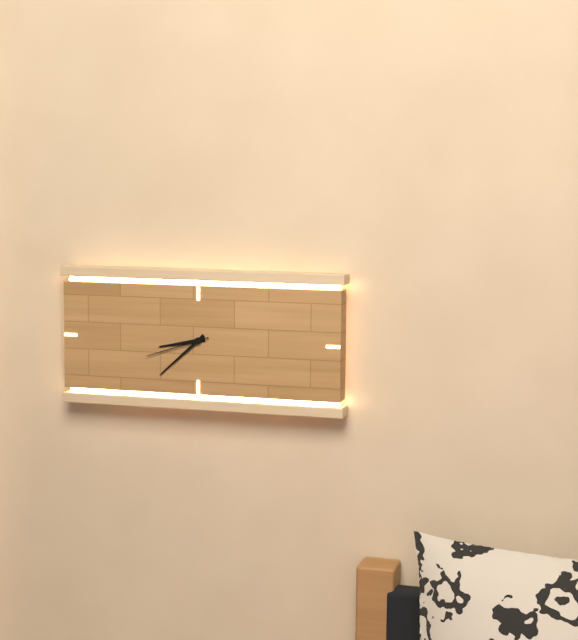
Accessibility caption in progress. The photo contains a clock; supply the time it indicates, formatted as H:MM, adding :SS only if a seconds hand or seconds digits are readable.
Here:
8:38:42
